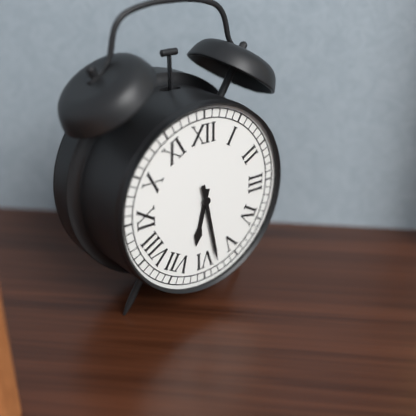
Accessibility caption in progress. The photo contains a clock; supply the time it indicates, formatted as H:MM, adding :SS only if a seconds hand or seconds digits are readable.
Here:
6:28
